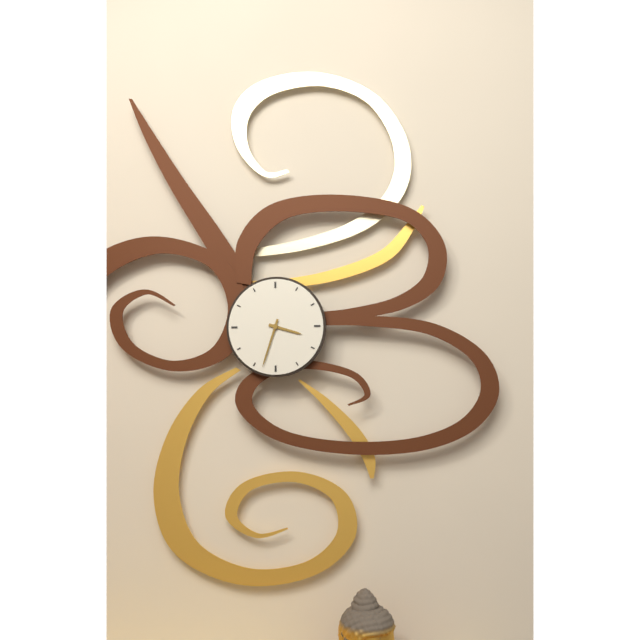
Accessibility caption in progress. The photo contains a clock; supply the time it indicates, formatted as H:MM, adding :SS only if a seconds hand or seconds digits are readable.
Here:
3:33
